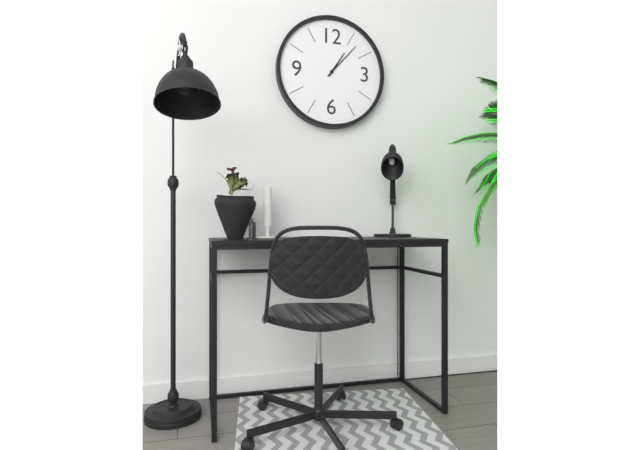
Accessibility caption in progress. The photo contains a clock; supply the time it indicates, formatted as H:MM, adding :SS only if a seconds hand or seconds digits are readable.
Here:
1:07
